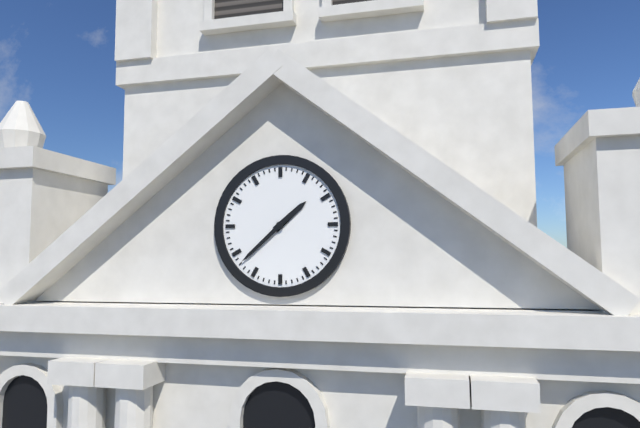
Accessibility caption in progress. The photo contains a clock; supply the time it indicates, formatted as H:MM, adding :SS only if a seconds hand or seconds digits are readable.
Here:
1:38
